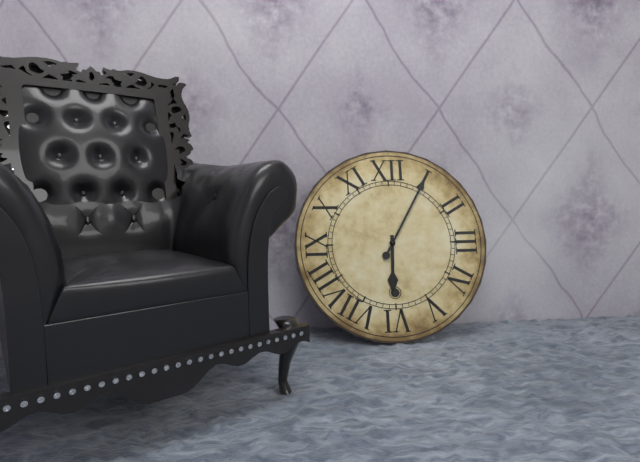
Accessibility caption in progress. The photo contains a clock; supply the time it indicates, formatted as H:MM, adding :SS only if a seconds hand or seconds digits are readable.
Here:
6:05
